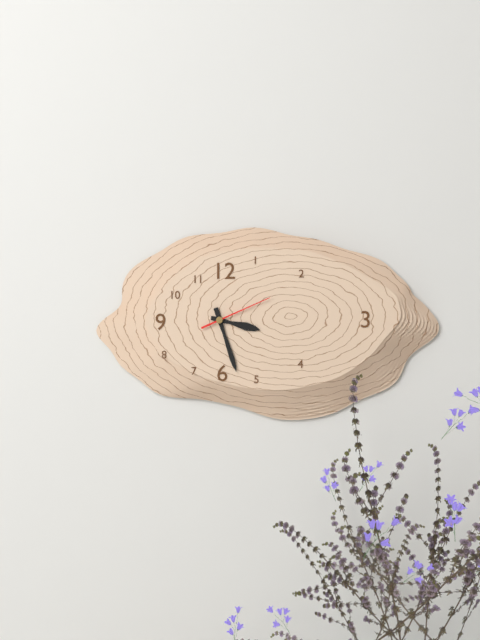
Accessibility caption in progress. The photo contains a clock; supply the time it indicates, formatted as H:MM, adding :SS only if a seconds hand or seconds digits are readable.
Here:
3:27:11
